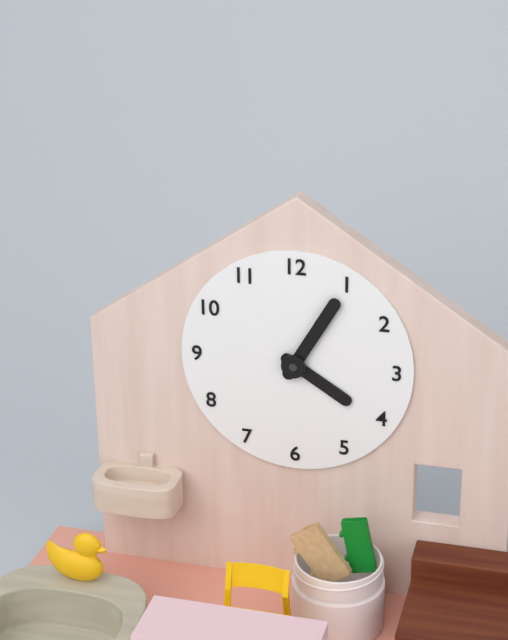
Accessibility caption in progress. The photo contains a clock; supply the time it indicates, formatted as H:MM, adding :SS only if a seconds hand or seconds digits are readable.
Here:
4:05
